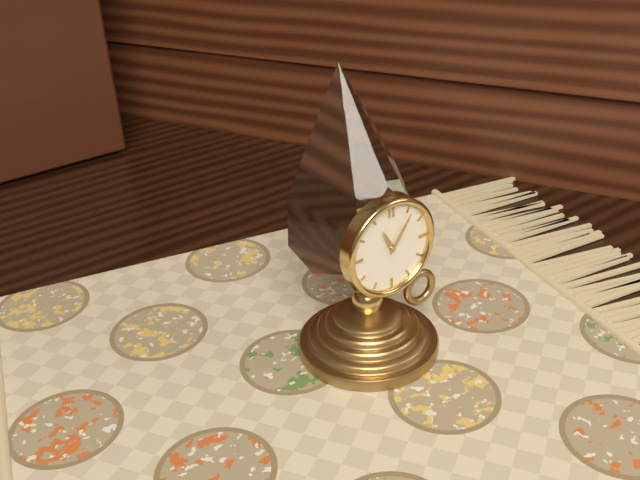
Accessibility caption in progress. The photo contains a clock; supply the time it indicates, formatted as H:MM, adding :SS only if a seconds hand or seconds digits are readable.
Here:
11:06
